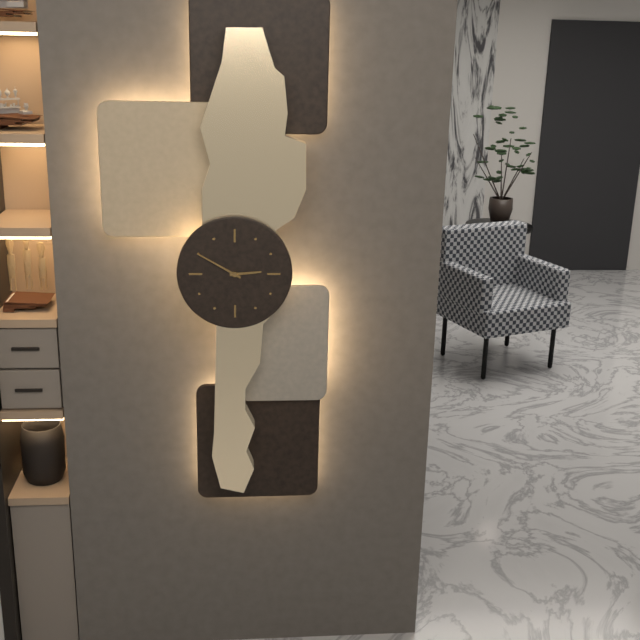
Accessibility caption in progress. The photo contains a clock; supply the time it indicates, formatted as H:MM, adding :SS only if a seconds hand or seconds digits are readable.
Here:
2:50
